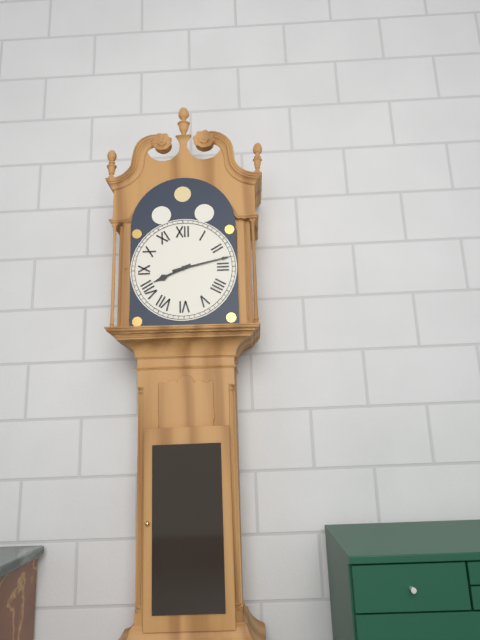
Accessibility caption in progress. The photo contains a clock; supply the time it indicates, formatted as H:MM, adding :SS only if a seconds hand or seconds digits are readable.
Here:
8:13
